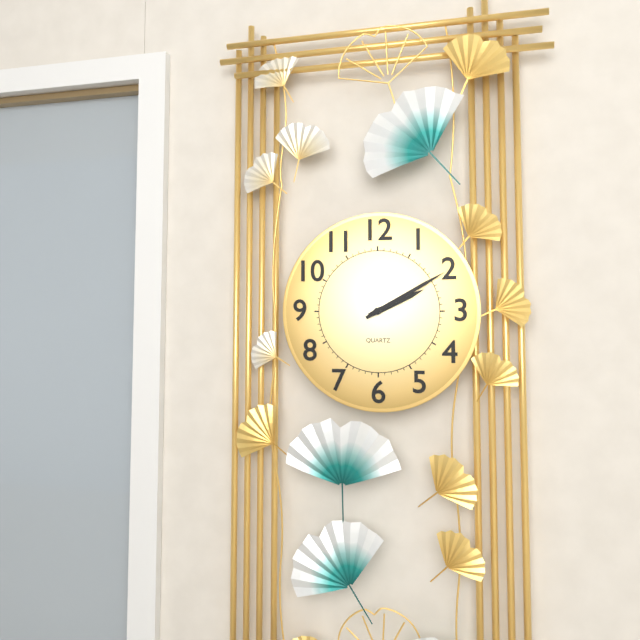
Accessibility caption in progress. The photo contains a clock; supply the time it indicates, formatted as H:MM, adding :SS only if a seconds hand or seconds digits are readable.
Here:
2:10
